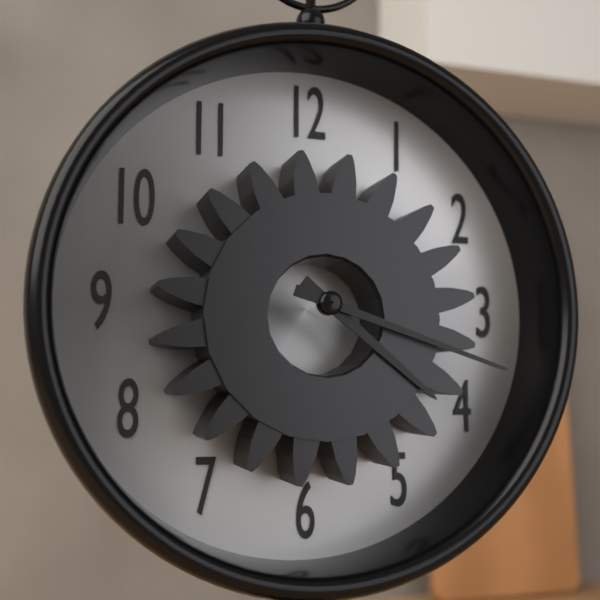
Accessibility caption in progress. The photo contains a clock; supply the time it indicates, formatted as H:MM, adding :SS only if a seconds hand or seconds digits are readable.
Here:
4:18
